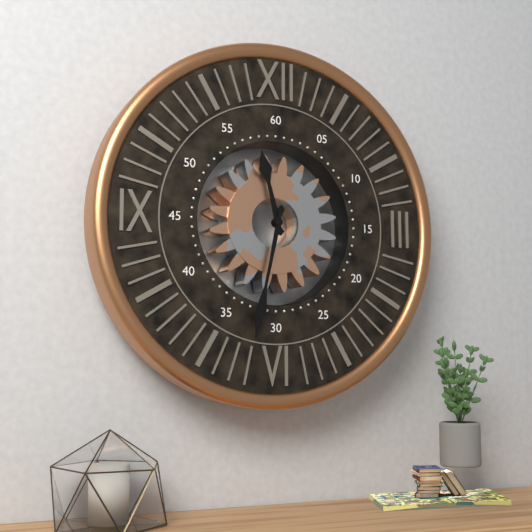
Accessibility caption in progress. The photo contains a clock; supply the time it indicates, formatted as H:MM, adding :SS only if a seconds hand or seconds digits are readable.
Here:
11:32
